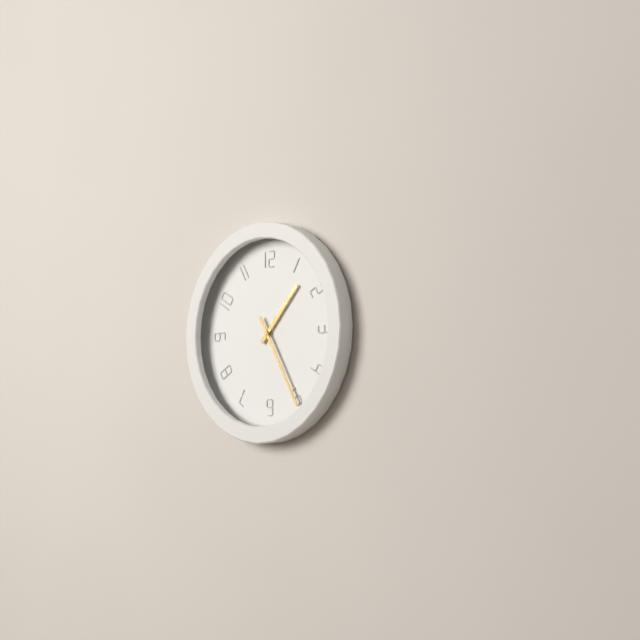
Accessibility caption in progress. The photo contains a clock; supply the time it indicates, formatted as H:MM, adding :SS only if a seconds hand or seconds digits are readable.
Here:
1:25
